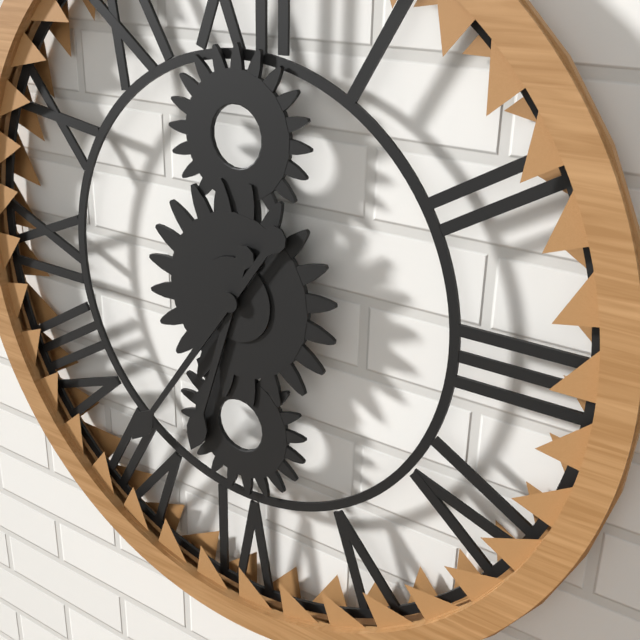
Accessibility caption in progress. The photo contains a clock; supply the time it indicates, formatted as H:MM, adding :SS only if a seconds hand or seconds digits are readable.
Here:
6:36
